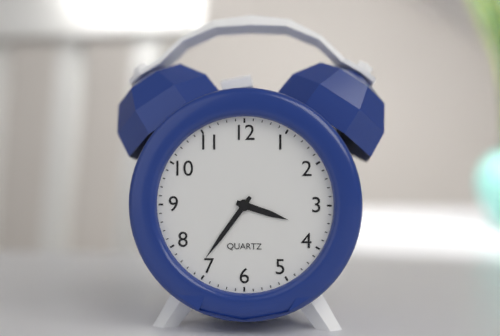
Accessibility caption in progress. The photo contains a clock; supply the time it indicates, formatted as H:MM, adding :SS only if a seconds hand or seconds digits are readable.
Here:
3:36
